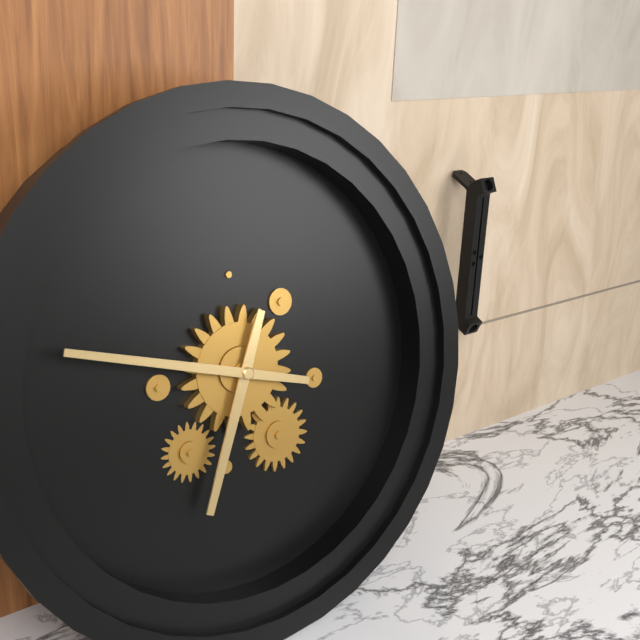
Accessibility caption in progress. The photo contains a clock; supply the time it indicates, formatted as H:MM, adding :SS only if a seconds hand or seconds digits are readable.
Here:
6:48
